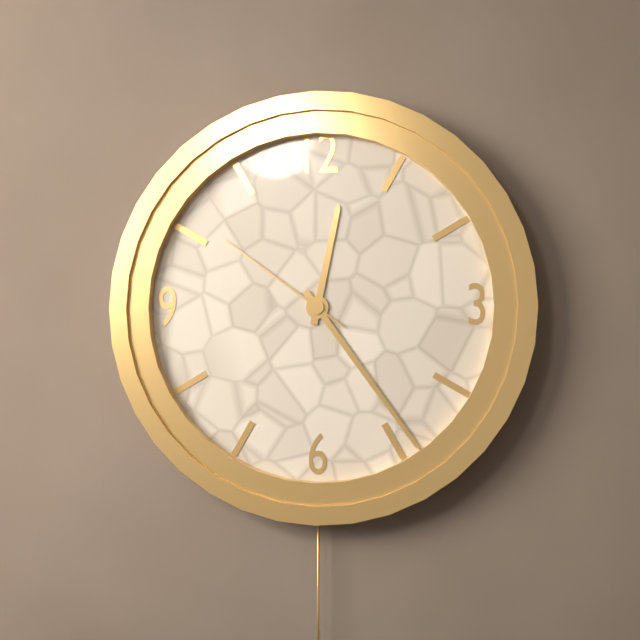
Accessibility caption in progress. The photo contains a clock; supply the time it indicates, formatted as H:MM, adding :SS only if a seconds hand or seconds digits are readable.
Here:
12:24:51
